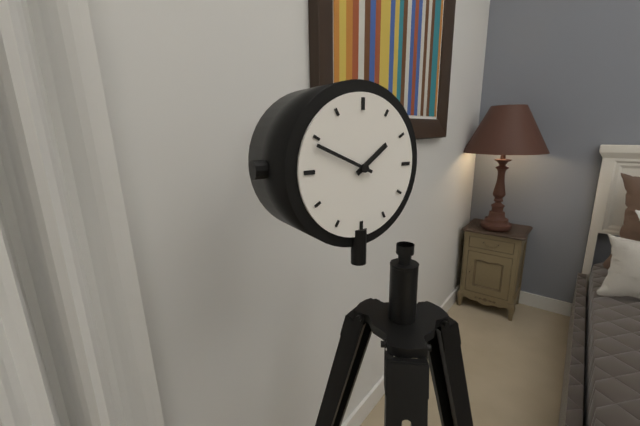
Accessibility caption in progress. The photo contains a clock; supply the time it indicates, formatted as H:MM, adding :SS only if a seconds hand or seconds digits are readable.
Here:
1:49
